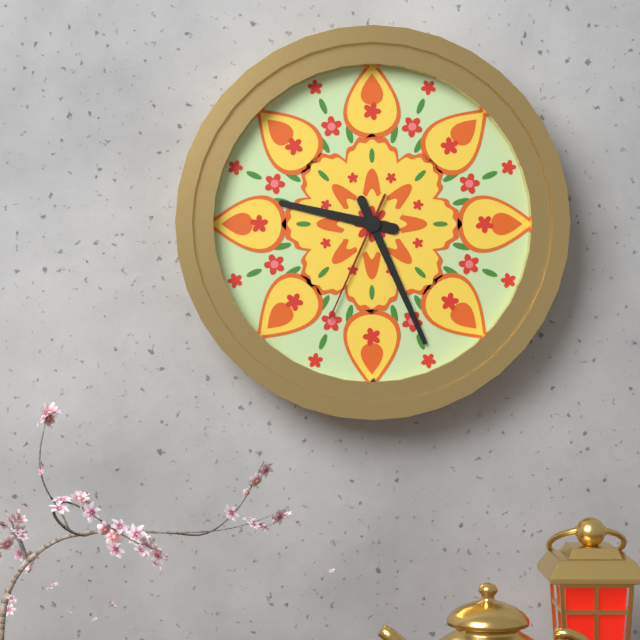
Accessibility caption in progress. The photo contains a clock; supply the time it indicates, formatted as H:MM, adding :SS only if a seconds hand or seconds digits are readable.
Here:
9:26:34
